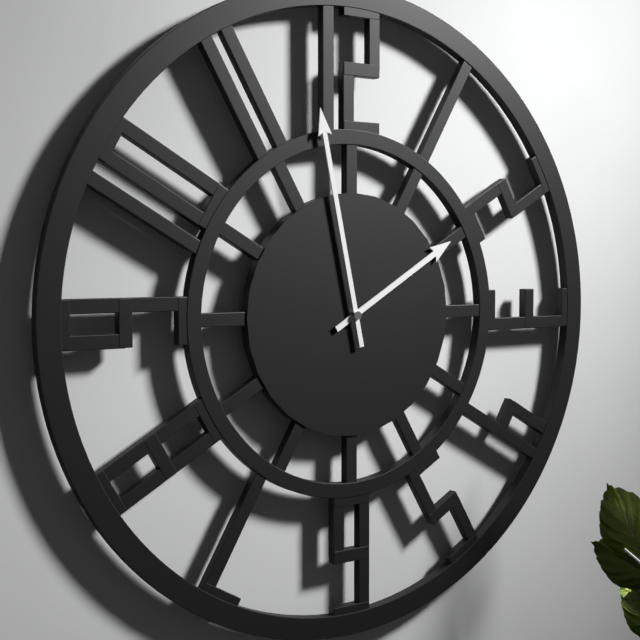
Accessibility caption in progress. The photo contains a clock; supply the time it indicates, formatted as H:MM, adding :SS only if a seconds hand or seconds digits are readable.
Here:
1:58
